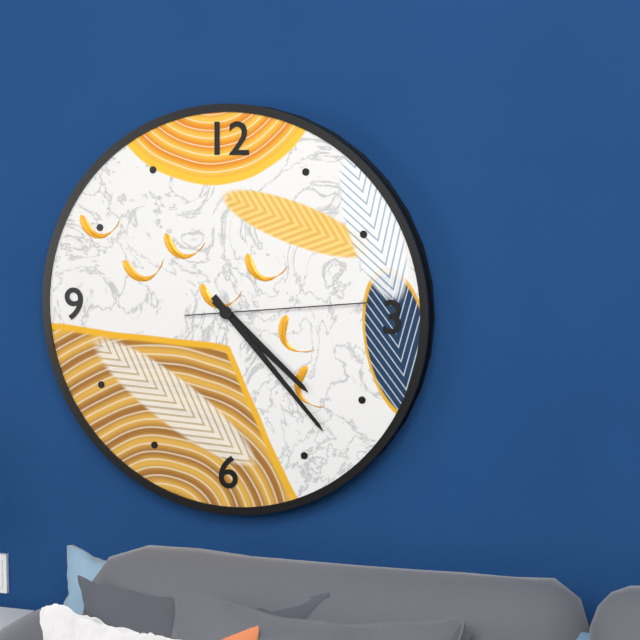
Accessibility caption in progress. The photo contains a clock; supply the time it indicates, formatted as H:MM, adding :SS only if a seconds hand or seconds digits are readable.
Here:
4:23:14
